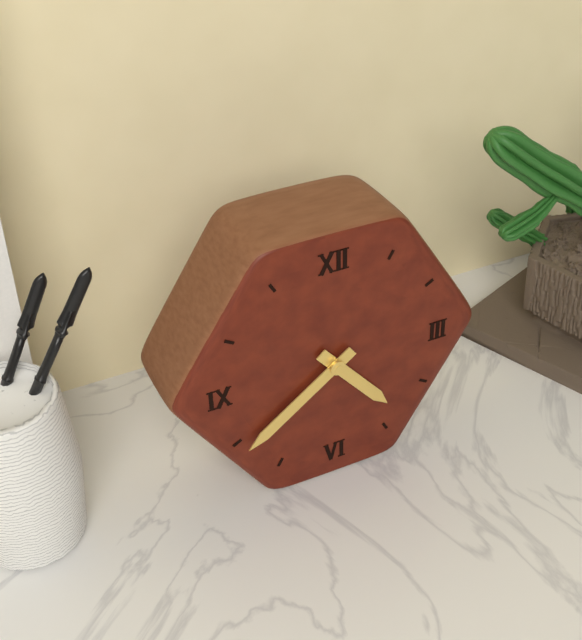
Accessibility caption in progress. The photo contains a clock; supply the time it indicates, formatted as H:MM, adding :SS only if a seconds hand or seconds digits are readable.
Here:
4:39
